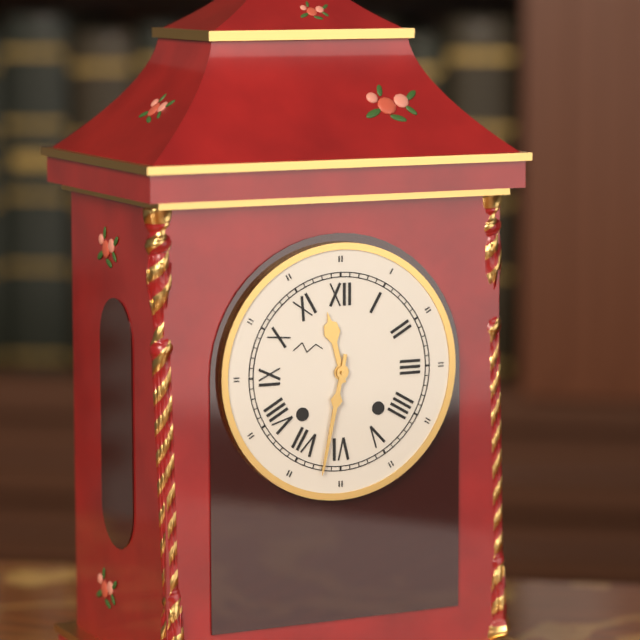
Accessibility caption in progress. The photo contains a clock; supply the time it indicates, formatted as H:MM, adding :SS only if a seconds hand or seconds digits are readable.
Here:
11:32
